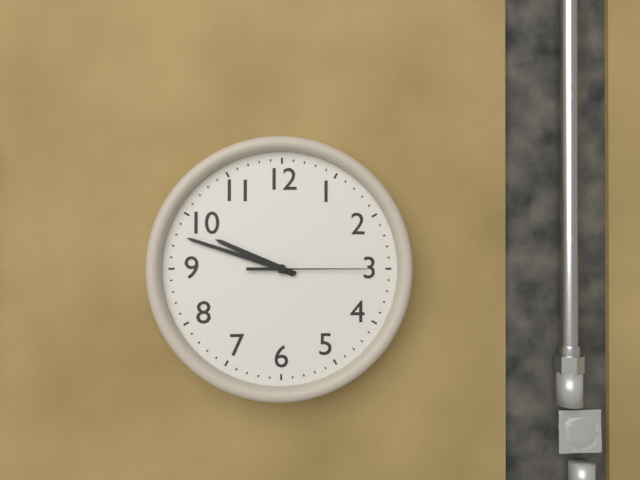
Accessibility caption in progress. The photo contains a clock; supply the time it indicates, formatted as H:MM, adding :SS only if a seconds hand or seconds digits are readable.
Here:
9:48:15
